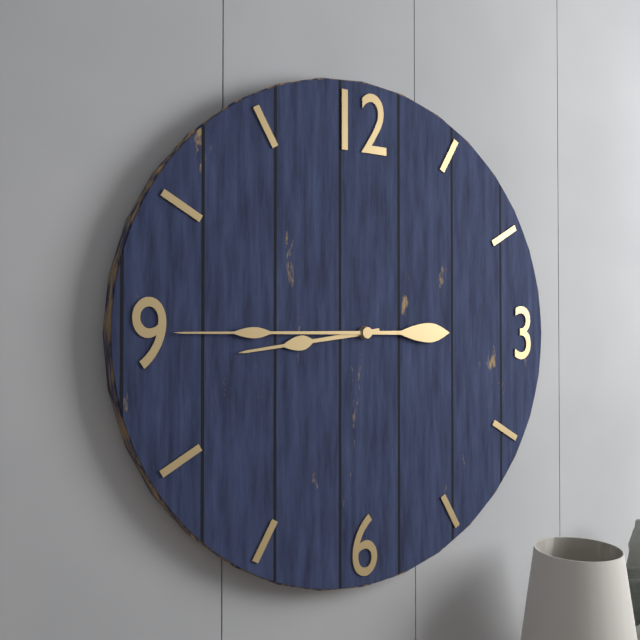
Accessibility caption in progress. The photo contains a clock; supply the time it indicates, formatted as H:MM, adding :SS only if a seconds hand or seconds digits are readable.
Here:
8:45
